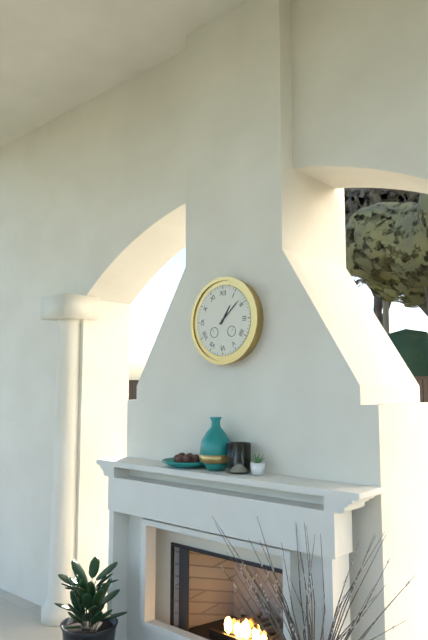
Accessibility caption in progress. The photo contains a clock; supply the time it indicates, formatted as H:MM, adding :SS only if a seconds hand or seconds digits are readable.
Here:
1:08
